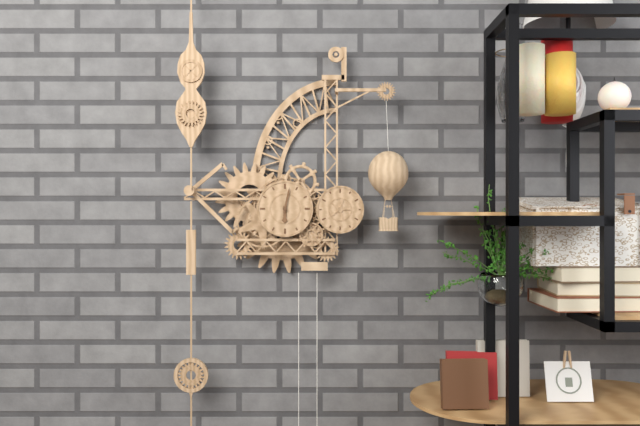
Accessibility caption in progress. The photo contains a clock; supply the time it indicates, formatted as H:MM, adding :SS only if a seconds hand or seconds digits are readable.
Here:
6:02
